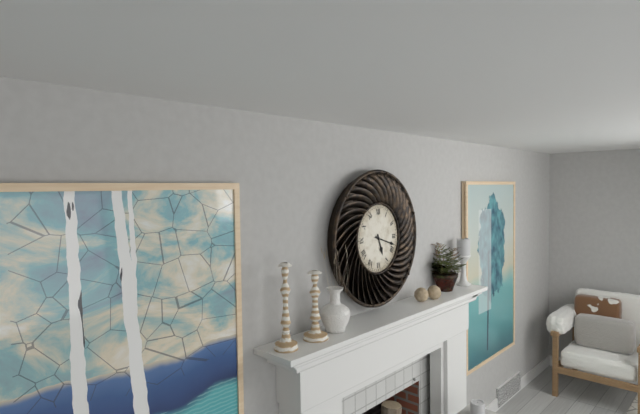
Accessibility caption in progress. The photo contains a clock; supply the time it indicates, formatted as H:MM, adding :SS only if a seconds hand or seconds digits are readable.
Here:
5:18
